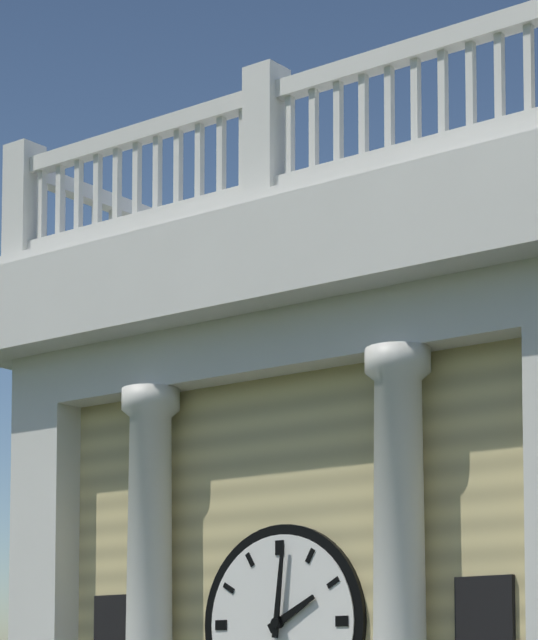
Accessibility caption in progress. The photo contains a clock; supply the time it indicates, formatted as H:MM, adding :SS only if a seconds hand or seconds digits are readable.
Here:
2:01
